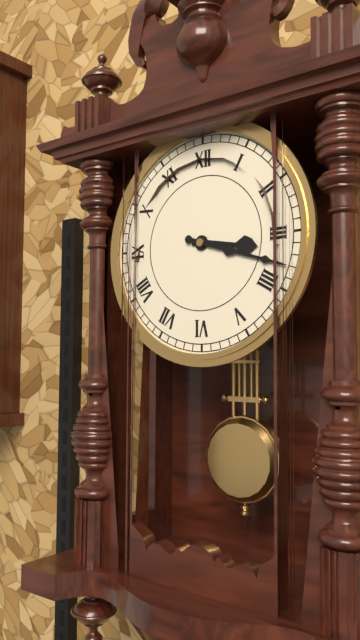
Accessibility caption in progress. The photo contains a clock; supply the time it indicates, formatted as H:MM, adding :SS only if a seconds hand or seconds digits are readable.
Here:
3:18
